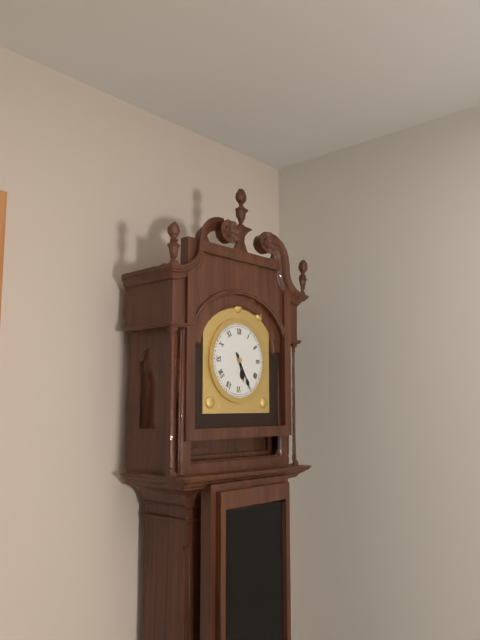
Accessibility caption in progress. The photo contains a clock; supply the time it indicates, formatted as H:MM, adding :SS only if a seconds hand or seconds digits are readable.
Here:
5:25
